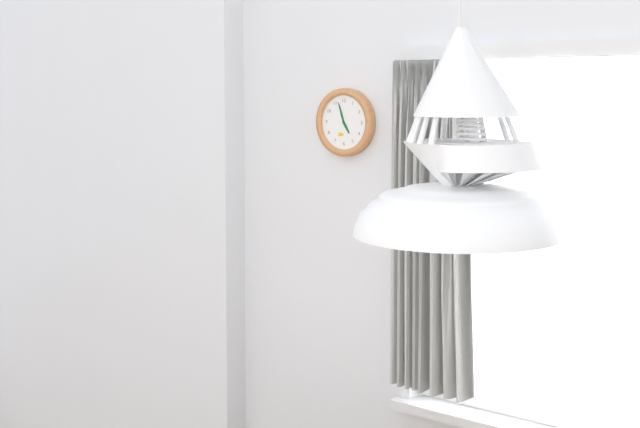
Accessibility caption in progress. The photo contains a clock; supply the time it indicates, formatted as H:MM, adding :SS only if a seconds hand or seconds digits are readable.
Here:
4:57
